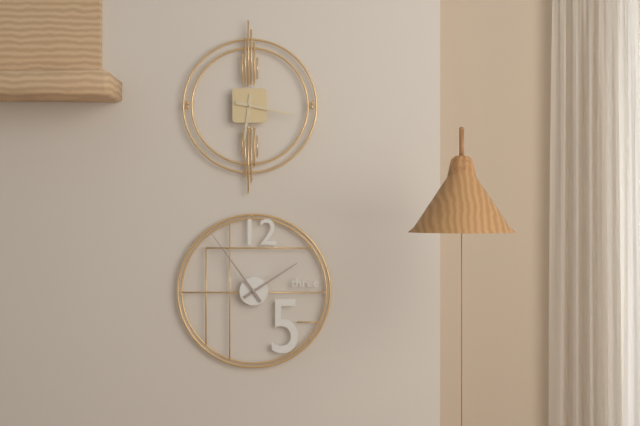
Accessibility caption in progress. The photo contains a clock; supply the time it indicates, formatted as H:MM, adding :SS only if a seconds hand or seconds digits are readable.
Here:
6:17
